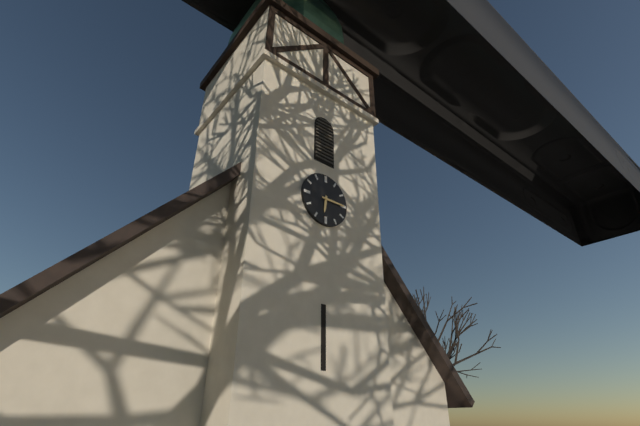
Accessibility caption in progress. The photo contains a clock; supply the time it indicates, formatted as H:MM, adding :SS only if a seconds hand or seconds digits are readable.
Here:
6:15
